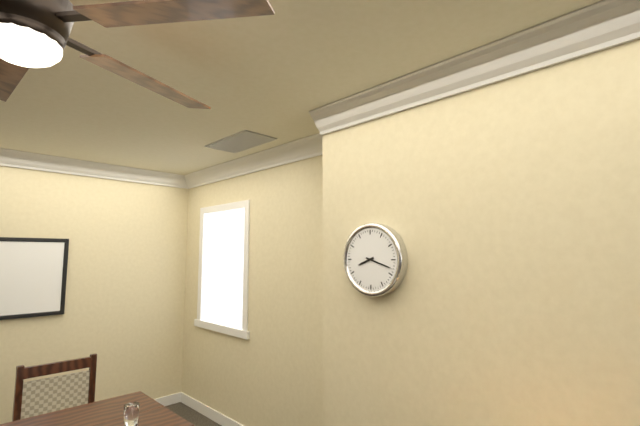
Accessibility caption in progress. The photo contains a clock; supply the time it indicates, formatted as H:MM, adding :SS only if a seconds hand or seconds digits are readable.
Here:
8:18
